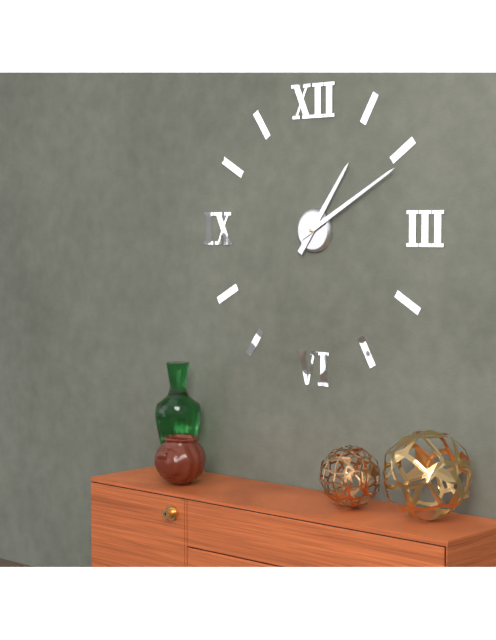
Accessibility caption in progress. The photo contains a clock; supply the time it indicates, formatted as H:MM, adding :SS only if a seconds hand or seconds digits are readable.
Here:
1:10
